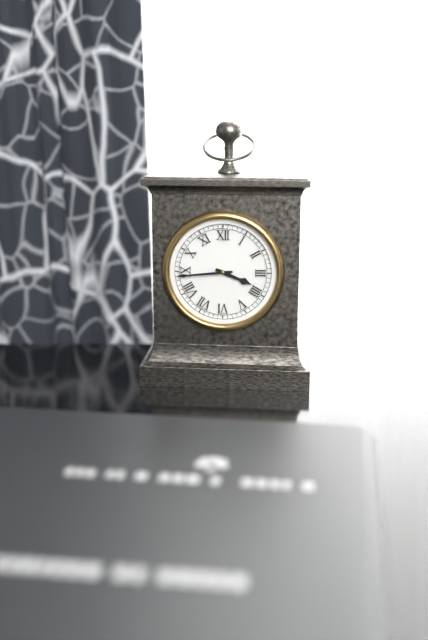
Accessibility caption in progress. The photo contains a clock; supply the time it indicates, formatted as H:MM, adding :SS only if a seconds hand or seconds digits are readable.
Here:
3:44
